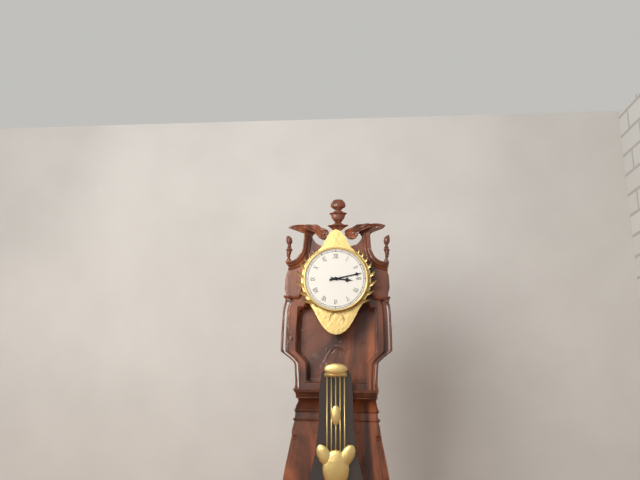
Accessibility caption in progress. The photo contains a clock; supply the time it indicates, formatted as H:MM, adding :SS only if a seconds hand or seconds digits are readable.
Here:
3:13
